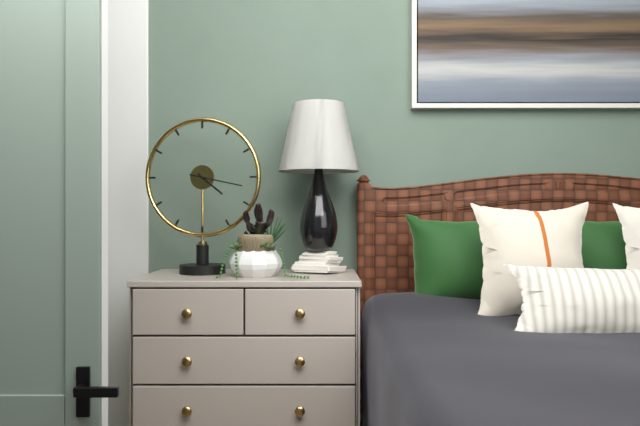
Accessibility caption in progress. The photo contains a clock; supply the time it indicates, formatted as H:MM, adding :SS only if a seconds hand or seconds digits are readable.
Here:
4:17
